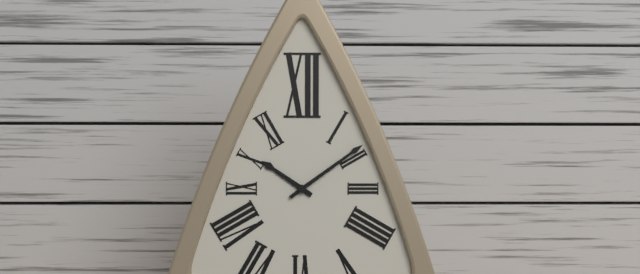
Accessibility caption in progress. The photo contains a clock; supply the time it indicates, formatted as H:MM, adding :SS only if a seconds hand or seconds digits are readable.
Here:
10:09
